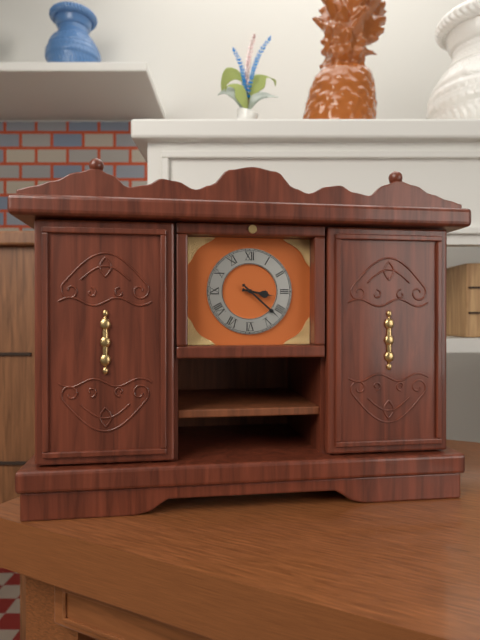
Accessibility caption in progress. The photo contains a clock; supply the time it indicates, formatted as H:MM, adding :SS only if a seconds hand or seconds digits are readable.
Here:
3:22
